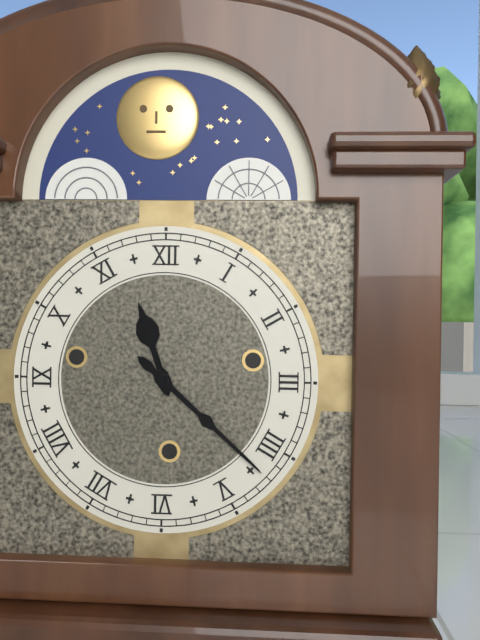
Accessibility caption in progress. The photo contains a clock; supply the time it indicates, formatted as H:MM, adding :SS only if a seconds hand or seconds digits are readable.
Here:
11:22
